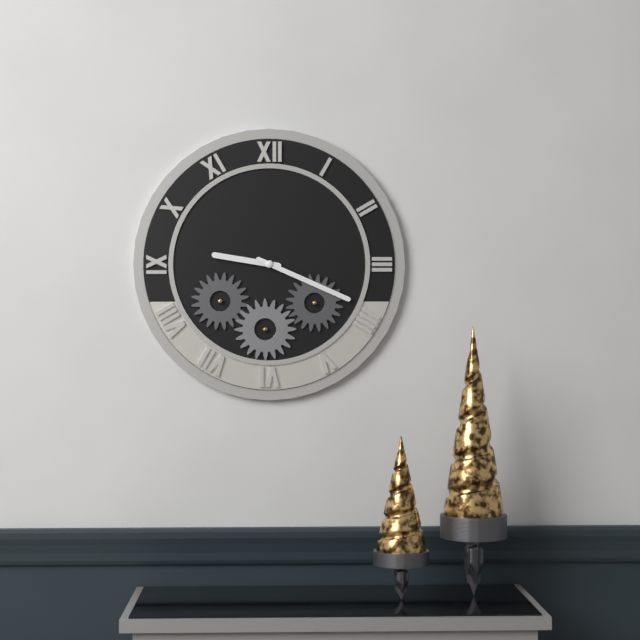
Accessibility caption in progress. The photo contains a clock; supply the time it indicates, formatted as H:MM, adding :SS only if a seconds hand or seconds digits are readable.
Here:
9:19
